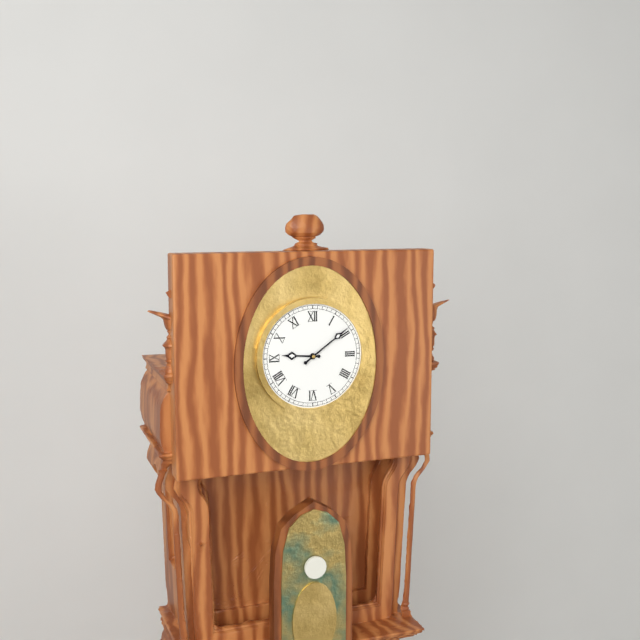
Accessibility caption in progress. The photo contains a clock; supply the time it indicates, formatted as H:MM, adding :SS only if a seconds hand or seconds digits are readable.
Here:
9:09
